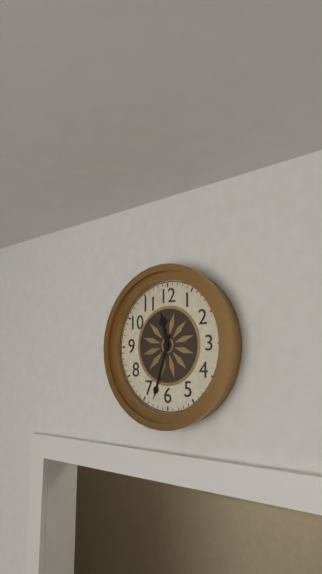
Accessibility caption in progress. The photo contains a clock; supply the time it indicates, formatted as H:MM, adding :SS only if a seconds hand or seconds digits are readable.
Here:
11:33
